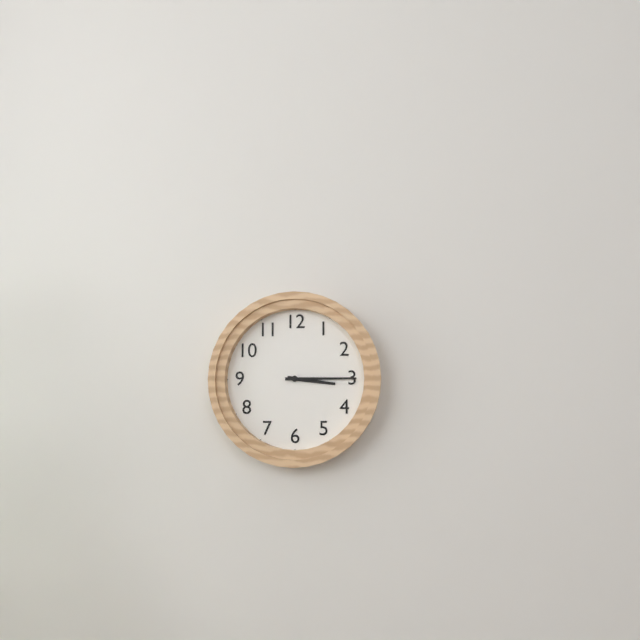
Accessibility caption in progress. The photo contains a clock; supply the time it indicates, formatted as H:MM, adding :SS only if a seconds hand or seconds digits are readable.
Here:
3:15
